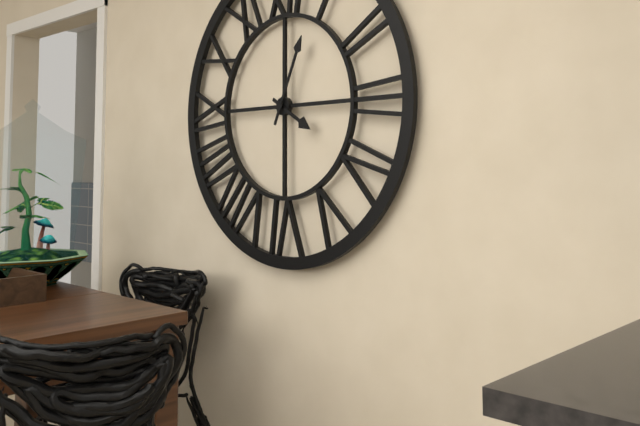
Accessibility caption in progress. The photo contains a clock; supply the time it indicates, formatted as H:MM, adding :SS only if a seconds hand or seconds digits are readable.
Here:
4:04
